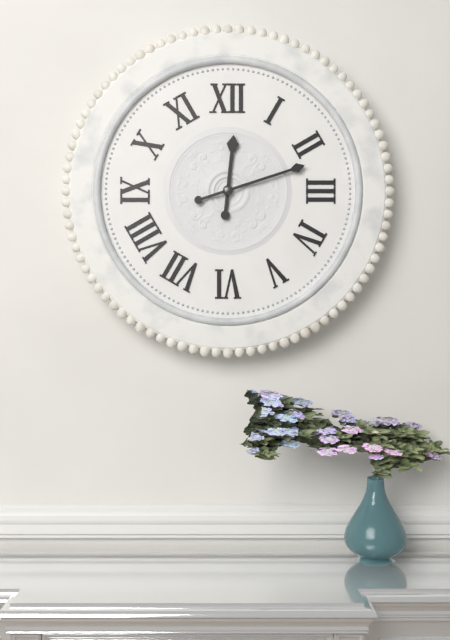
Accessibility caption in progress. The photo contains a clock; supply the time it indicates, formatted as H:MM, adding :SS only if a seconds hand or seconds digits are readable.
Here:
12:12
